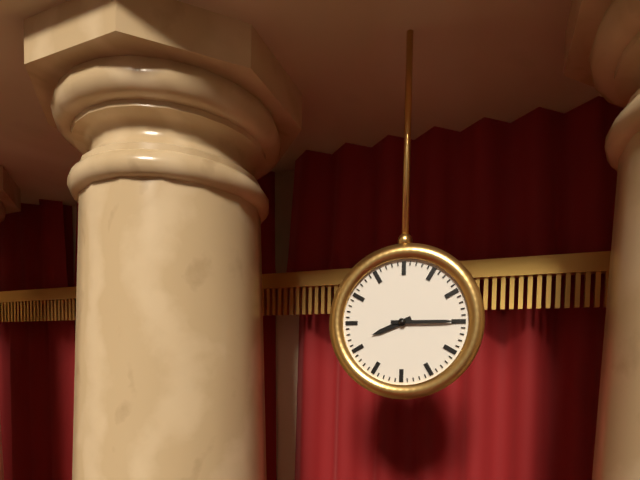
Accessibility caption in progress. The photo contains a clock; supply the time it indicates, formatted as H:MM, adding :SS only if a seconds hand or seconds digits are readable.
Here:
8:15
